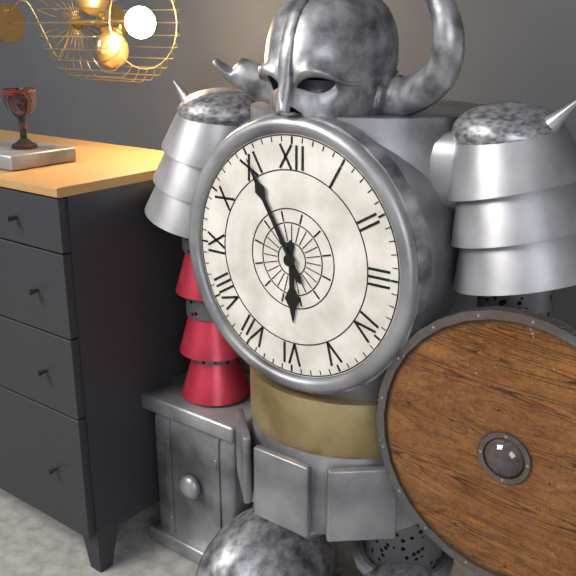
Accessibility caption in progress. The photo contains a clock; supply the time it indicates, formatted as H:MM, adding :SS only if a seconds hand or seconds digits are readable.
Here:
5:55
